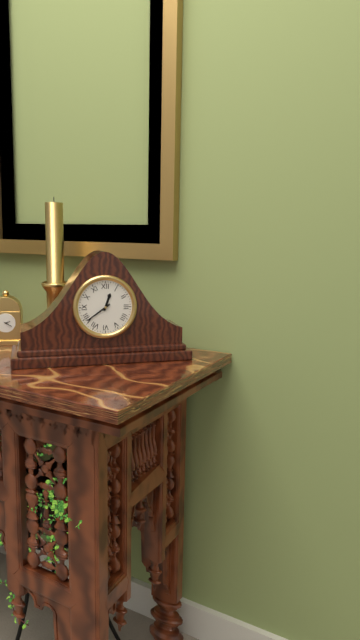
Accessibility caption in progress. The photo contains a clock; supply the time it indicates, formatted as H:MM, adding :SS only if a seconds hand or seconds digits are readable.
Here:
12:39
